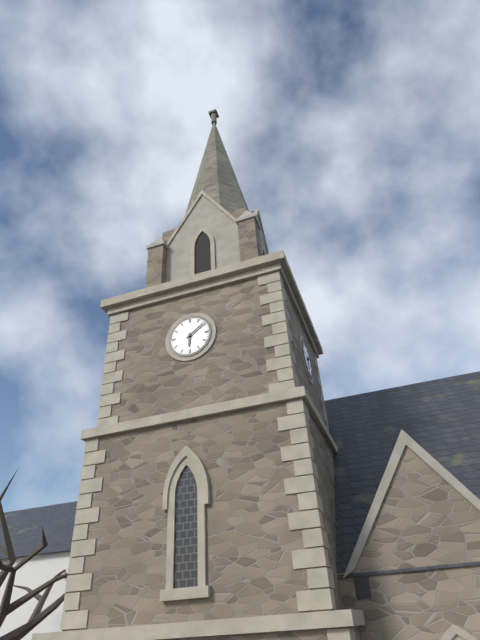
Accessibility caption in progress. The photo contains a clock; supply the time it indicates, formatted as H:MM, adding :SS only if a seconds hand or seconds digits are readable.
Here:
6:09
